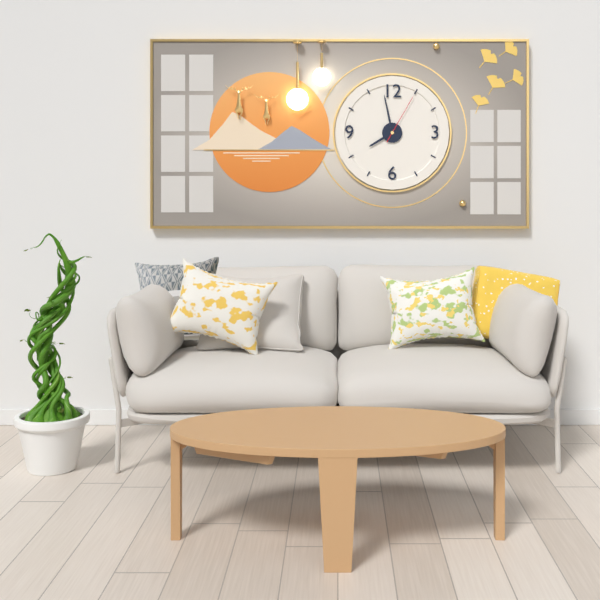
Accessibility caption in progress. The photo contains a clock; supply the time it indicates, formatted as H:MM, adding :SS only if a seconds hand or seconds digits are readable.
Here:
7:58:05
